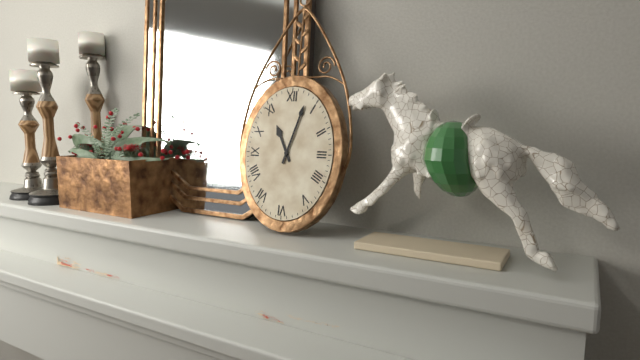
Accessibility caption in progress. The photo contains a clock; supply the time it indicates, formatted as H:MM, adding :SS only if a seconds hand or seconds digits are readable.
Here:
11:03
